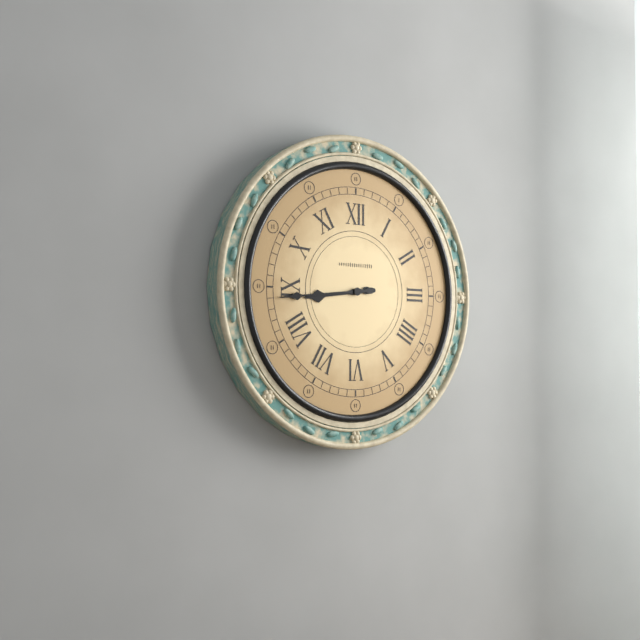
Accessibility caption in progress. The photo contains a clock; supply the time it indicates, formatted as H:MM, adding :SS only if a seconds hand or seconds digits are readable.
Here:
8:44
